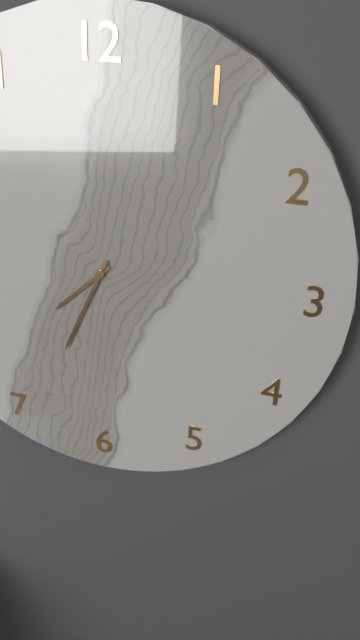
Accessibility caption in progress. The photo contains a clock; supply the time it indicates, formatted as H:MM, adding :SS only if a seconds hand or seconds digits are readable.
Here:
7:34
